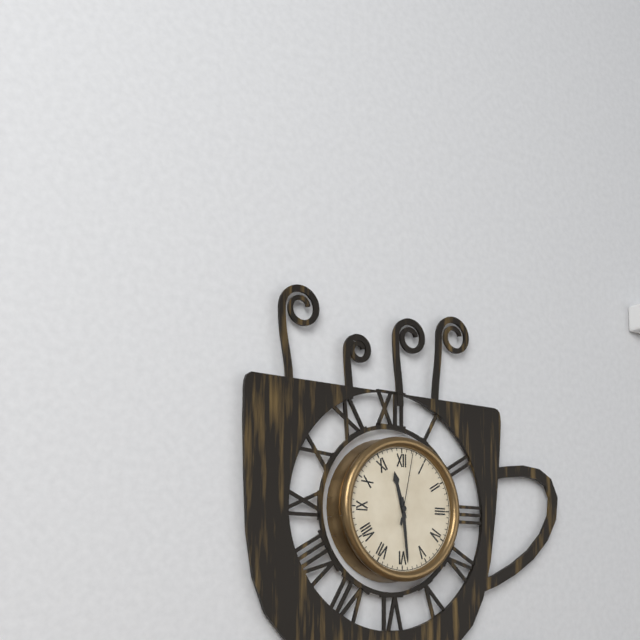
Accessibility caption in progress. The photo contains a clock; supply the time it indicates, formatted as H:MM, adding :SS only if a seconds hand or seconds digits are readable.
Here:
11:29:02
